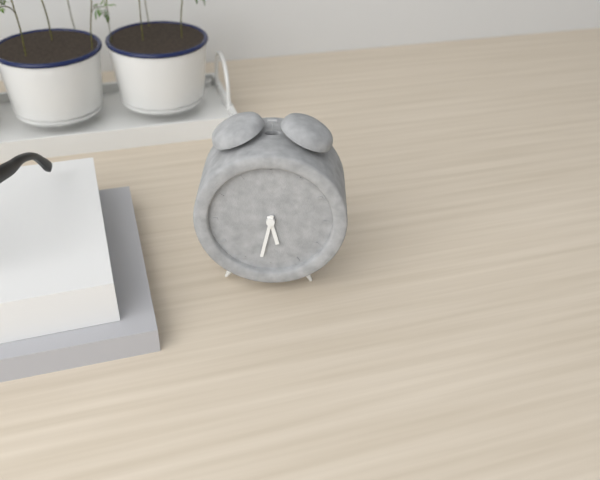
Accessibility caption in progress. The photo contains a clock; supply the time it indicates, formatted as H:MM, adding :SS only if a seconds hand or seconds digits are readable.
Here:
5:32
